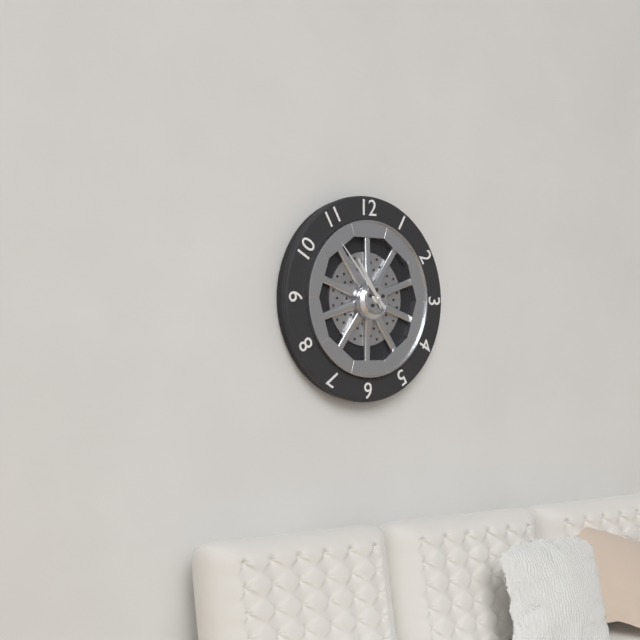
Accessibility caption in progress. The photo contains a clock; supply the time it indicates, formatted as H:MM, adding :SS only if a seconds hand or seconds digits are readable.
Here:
10:53
